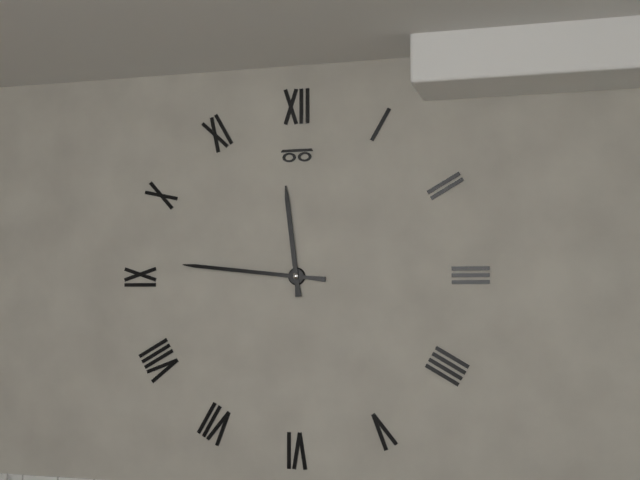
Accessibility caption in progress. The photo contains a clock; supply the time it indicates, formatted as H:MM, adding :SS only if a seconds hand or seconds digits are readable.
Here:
11:46
